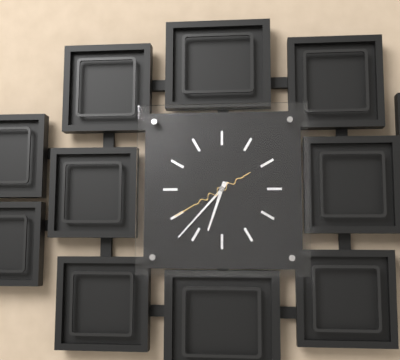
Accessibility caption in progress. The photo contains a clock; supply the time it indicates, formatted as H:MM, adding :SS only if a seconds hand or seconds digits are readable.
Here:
6:37:40
